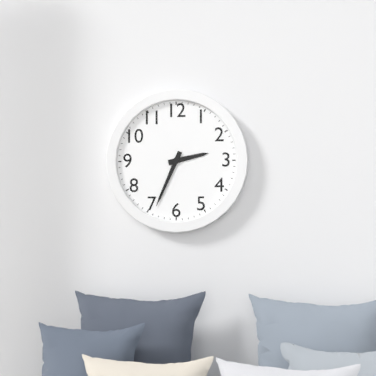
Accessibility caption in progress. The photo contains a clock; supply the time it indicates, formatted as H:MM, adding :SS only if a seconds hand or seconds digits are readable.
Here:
2:34
